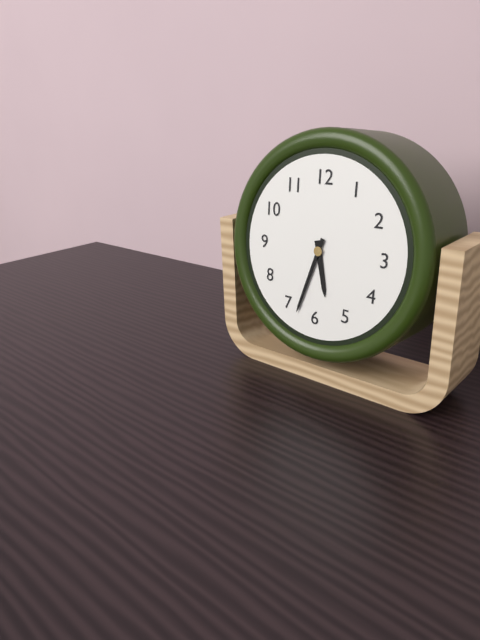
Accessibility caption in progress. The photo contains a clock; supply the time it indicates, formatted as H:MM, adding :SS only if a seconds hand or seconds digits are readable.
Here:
5:33
